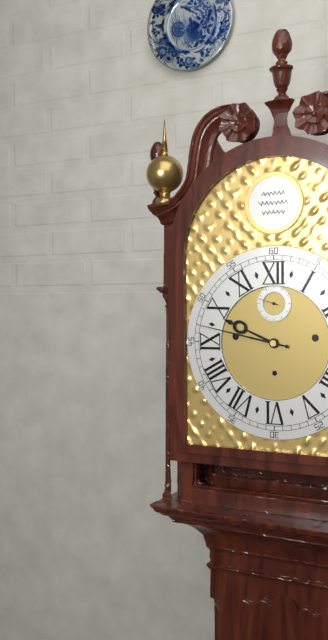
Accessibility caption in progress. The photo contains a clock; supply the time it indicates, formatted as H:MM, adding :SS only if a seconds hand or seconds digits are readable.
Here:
9:47
